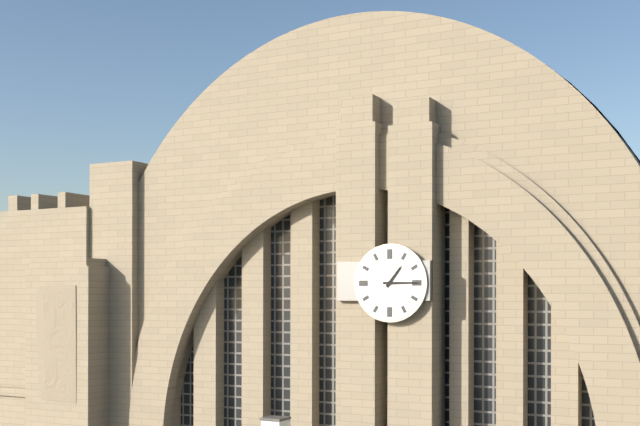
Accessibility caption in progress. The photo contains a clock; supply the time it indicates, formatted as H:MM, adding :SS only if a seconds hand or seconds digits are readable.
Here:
1:15
